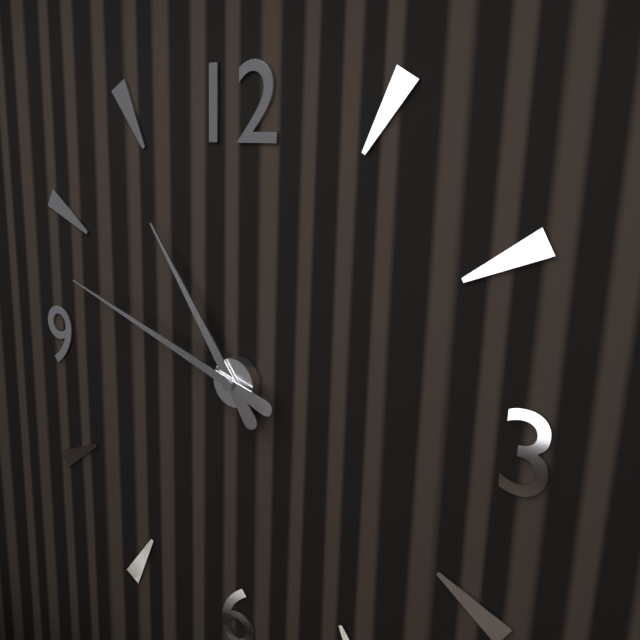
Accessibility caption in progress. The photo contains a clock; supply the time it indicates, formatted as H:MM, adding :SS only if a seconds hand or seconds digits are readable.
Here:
10:48
